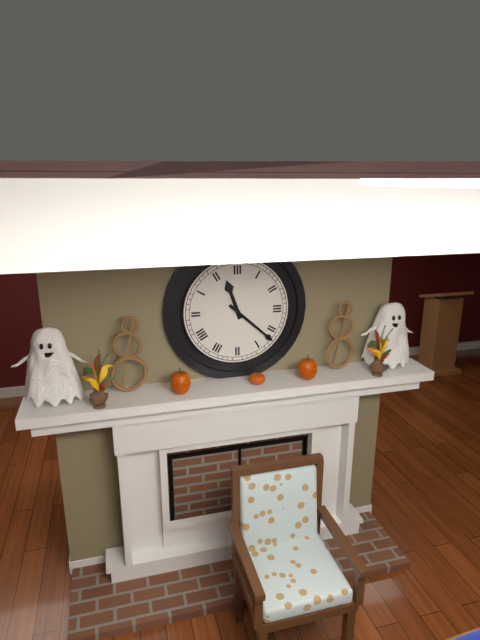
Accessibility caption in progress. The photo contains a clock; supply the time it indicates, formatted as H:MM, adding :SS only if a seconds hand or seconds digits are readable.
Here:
11:22
